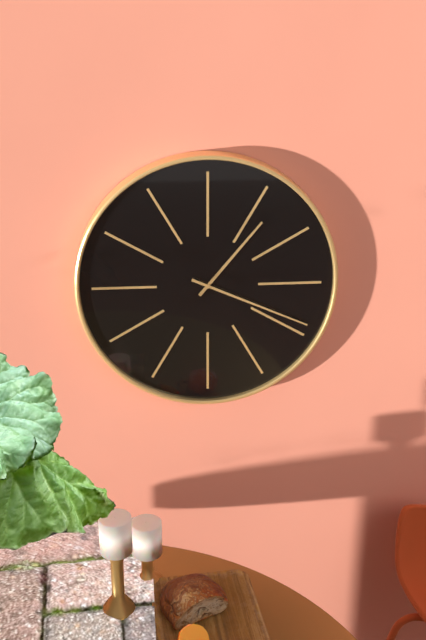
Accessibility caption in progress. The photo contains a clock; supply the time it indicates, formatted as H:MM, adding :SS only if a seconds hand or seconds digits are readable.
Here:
1:19
